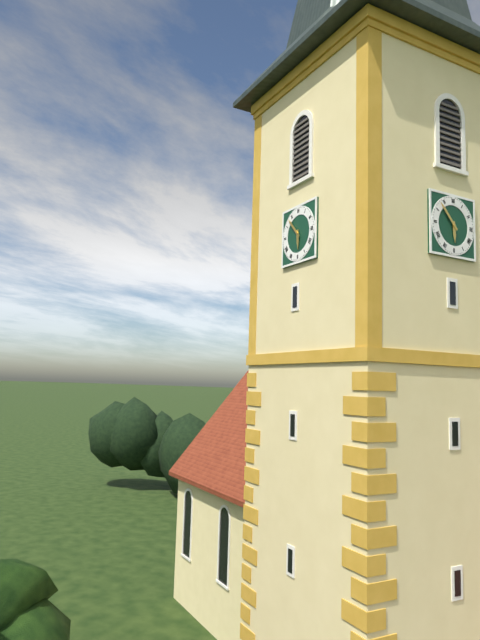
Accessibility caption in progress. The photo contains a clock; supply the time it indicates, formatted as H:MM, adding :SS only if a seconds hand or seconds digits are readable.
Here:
5:53
